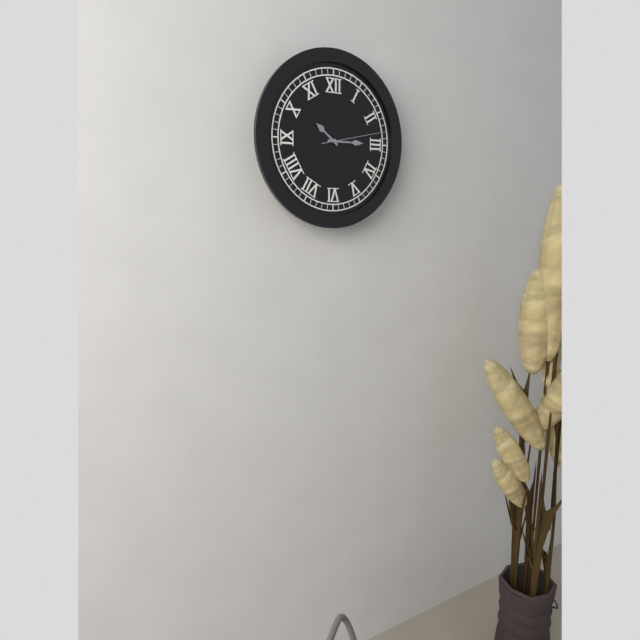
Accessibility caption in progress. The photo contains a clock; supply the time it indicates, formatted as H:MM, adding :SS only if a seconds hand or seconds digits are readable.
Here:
10:15:13
